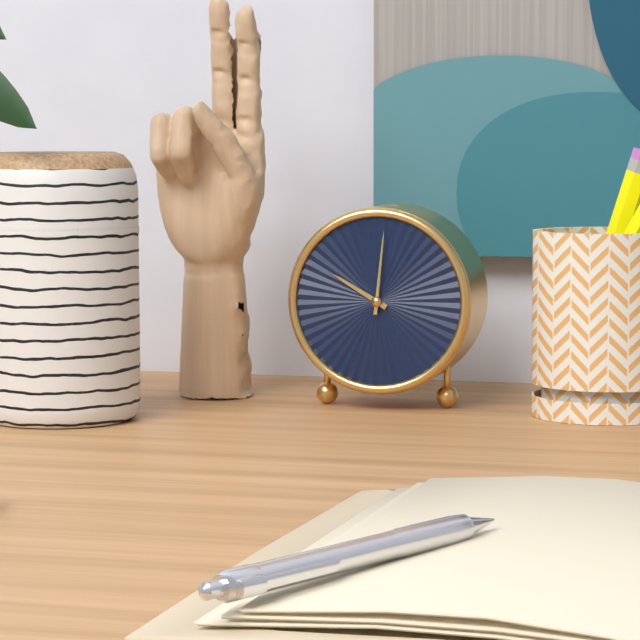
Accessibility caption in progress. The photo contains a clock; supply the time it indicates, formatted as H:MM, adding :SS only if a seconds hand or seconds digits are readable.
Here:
10:01
